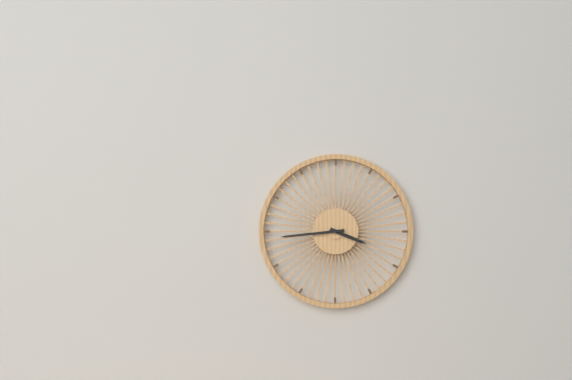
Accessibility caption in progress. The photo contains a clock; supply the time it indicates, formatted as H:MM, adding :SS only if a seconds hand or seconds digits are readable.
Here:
3:44
